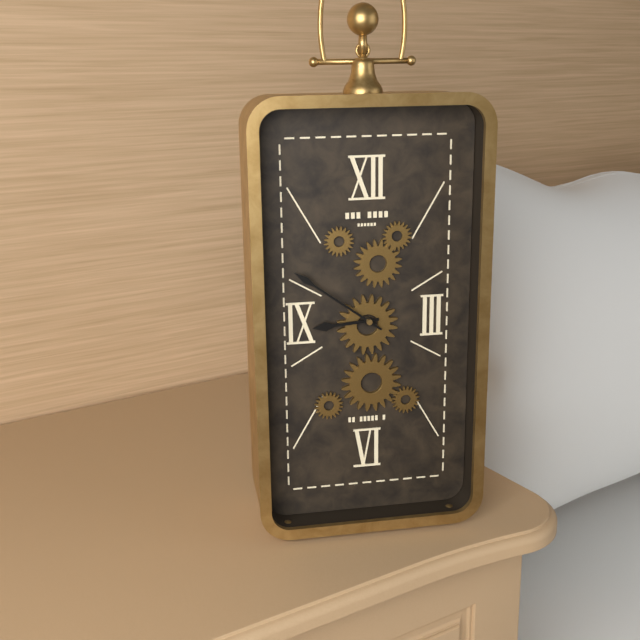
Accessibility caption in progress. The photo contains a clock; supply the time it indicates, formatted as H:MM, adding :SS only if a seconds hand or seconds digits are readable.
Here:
8:51
